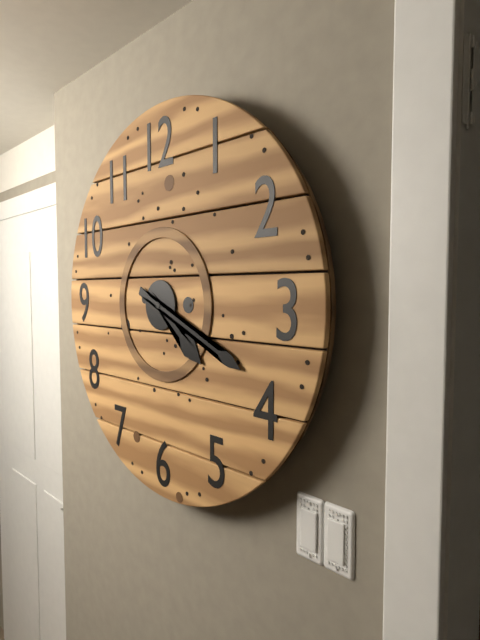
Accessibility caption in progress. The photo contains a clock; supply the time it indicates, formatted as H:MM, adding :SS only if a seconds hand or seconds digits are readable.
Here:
4:19
